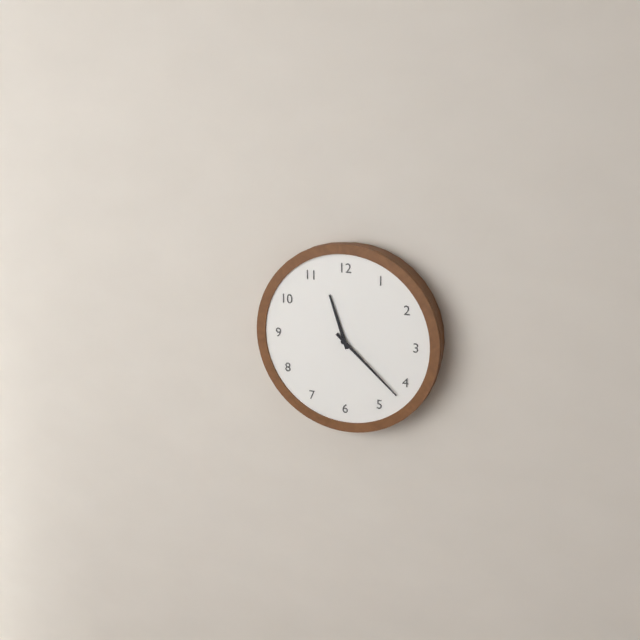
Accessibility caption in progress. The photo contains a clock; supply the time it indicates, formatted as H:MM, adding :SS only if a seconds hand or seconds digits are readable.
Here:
11:22
